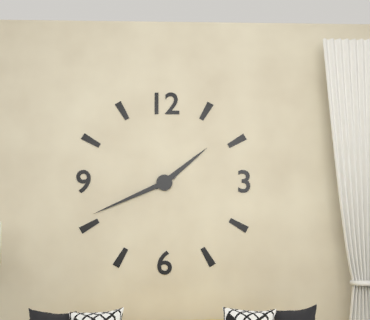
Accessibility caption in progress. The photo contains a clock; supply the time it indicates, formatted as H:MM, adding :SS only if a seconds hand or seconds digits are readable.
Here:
1:41
